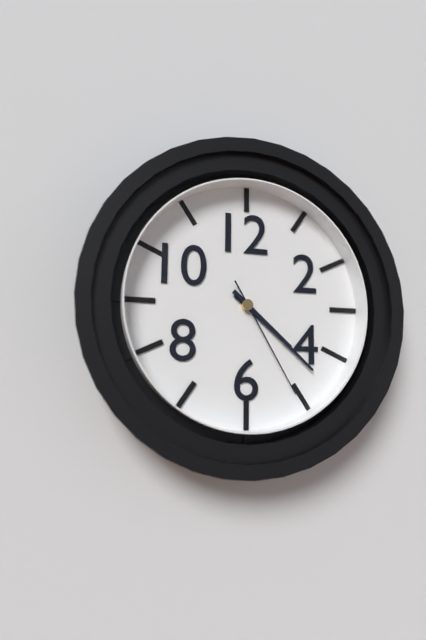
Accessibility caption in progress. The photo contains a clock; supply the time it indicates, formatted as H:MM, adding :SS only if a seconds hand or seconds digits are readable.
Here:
4:22:25
